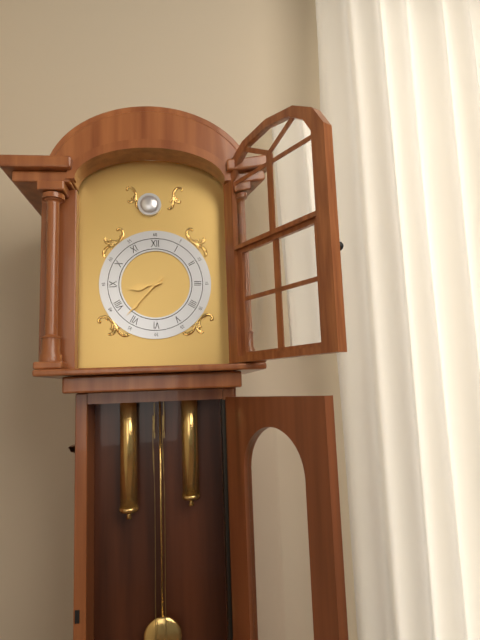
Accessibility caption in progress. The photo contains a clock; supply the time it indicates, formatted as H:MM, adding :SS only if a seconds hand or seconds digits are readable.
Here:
8:37
